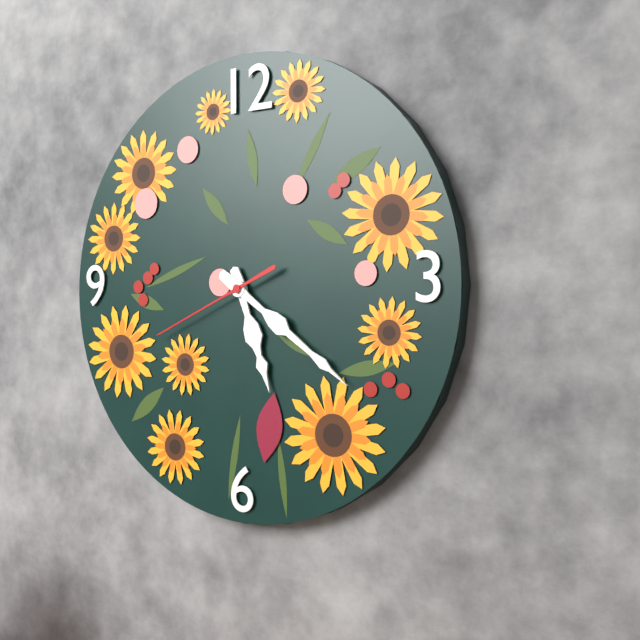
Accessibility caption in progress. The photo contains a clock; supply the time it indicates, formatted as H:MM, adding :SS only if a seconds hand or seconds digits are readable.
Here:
5:21:41
